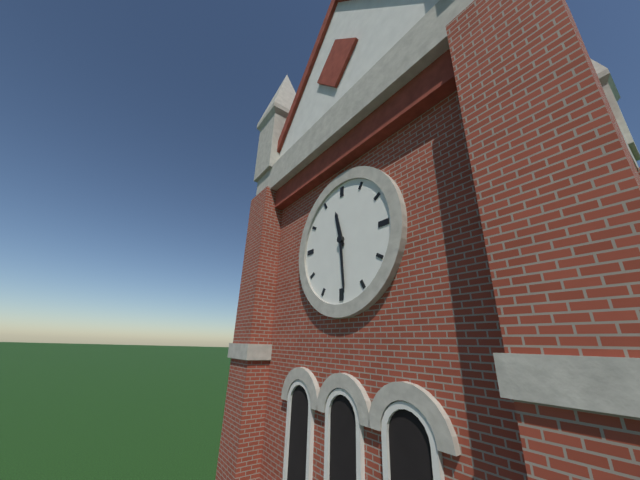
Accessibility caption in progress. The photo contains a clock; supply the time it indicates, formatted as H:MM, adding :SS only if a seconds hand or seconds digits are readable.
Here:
11:29
